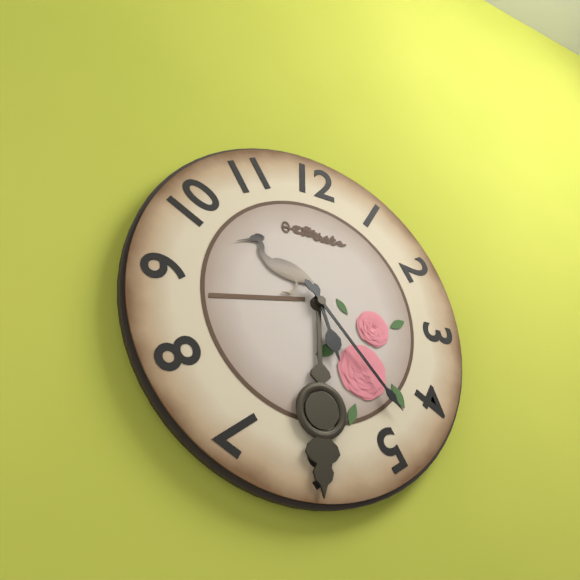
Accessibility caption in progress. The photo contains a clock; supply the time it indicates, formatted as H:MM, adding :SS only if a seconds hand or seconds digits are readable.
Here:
5:23
